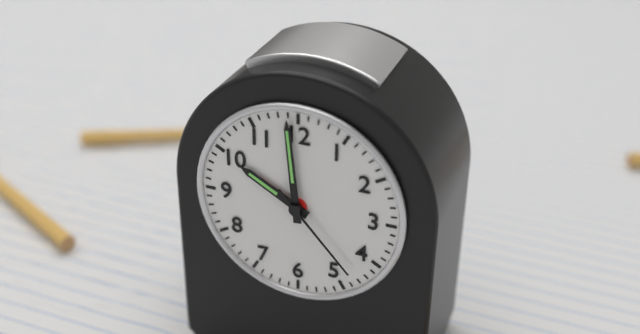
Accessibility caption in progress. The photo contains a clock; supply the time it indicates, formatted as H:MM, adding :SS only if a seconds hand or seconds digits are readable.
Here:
9:59:23
